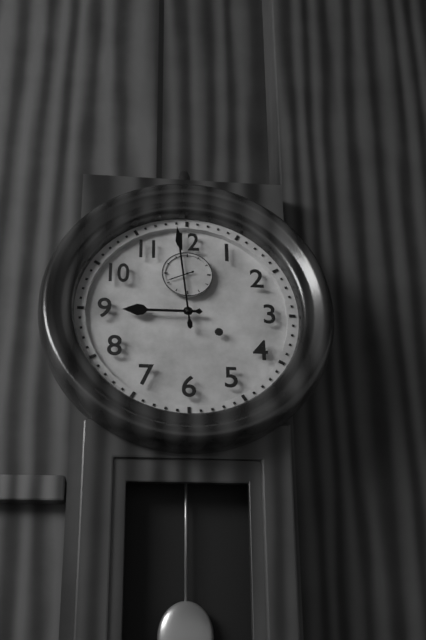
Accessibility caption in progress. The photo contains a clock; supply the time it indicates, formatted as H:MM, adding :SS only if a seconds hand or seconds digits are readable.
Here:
8:59
